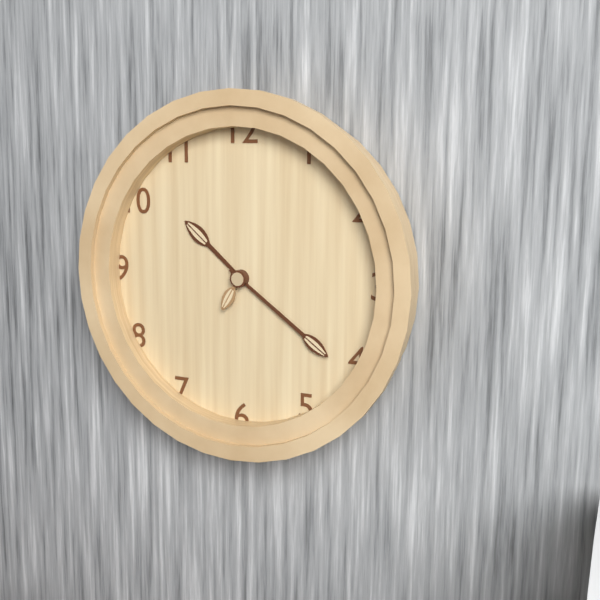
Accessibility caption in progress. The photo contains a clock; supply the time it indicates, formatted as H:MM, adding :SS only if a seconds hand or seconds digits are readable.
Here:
10:21
